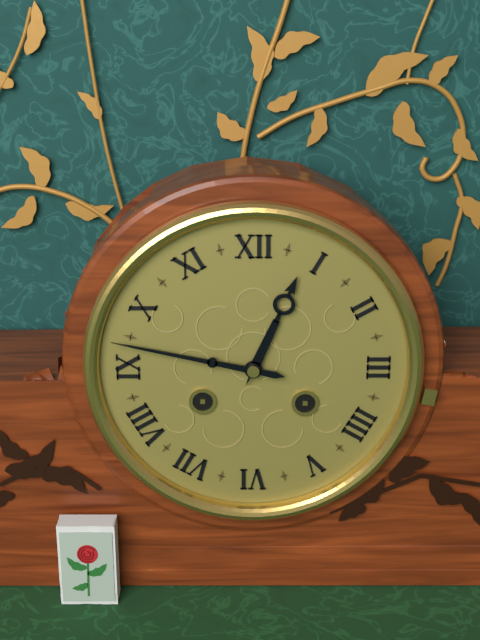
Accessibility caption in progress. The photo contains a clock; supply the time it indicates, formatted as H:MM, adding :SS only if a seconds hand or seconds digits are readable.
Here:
12:47
